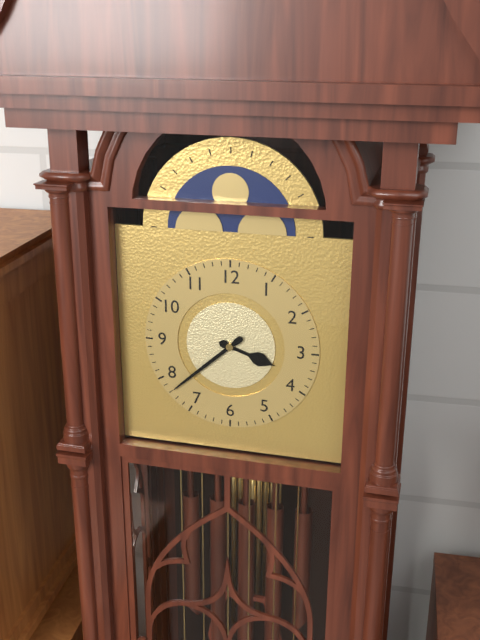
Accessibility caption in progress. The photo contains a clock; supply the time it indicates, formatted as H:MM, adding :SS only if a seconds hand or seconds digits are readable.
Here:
3:38
